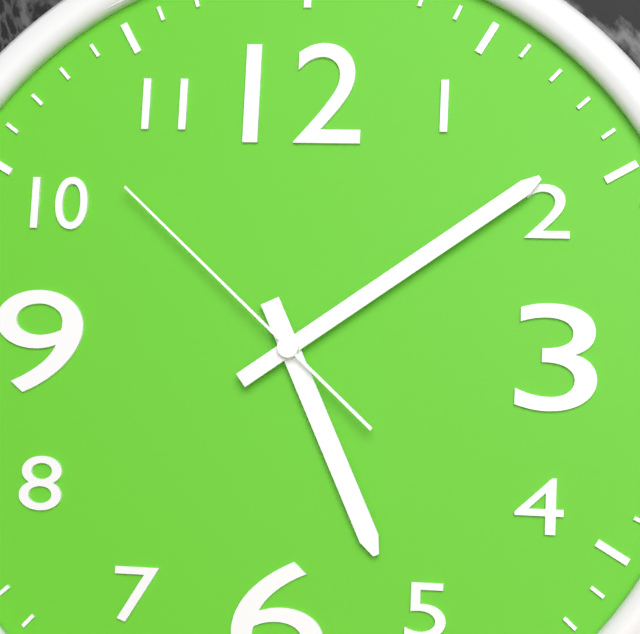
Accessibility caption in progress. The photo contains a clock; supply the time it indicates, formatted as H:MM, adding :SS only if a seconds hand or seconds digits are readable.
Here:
5:09:52
